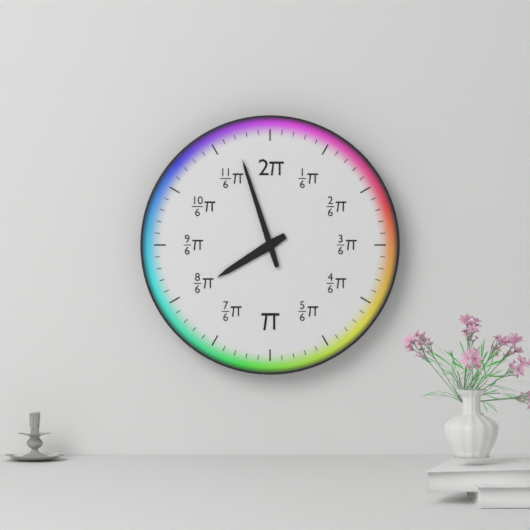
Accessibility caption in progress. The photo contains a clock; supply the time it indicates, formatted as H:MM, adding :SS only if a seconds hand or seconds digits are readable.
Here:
7:57
